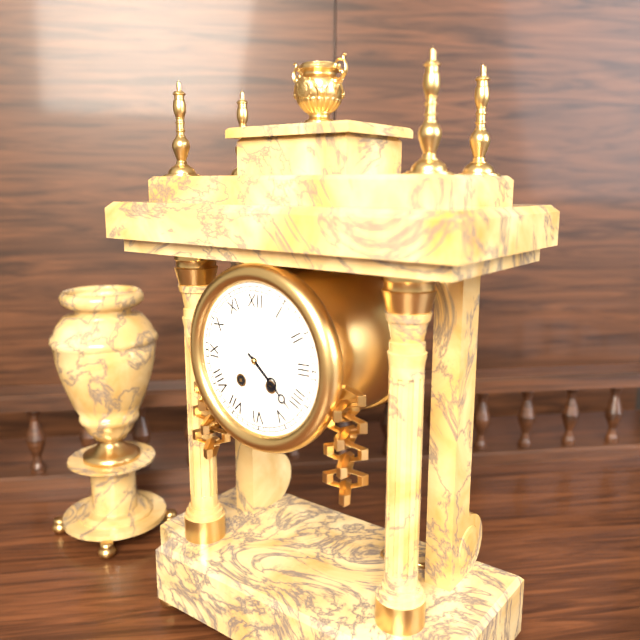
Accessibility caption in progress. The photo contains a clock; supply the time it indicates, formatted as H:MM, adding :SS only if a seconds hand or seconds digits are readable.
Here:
4:22
